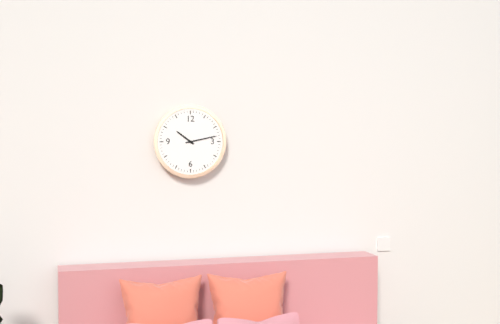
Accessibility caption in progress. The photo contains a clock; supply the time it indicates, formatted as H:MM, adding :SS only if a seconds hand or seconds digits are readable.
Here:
10:13
